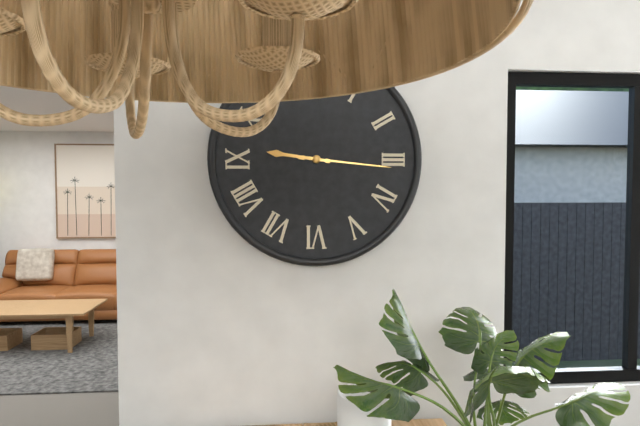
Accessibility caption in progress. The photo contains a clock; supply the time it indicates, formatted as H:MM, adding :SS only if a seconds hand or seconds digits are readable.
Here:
9:16
